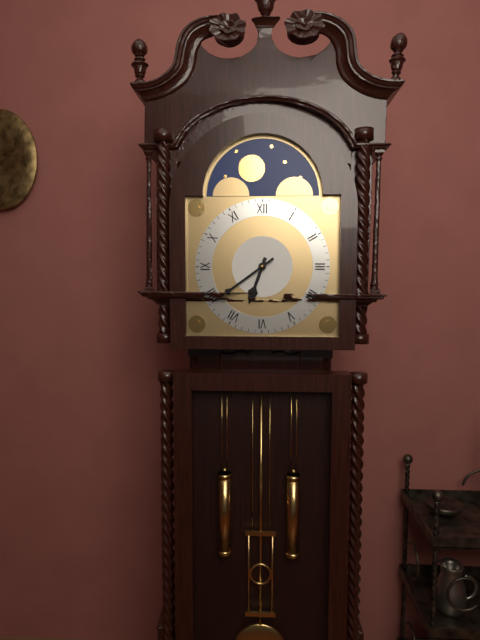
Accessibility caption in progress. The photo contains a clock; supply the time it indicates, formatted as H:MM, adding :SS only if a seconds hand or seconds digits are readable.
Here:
6:39
